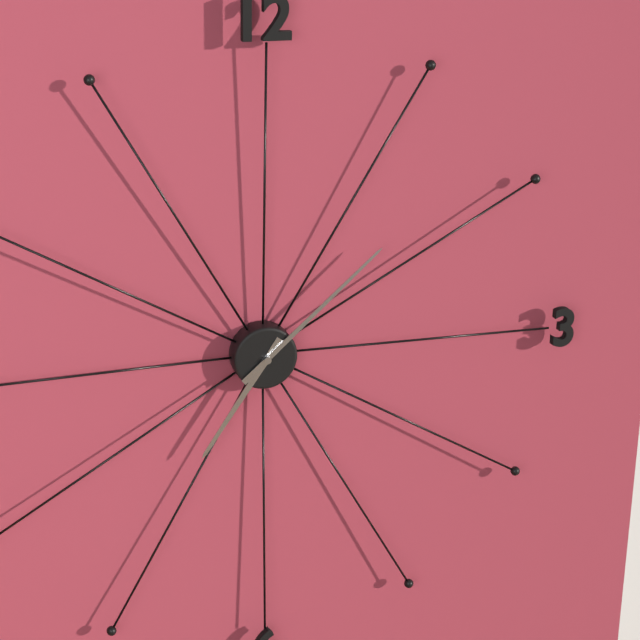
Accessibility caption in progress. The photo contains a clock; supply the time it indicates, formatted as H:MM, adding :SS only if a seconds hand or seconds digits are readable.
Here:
7:08
